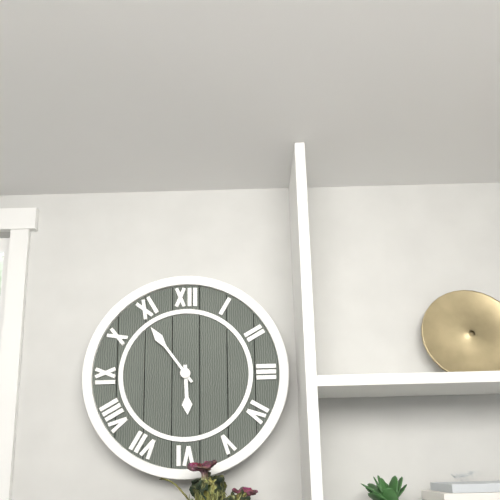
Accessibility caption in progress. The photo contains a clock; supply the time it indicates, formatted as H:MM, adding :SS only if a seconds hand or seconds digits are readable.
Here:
5:54
